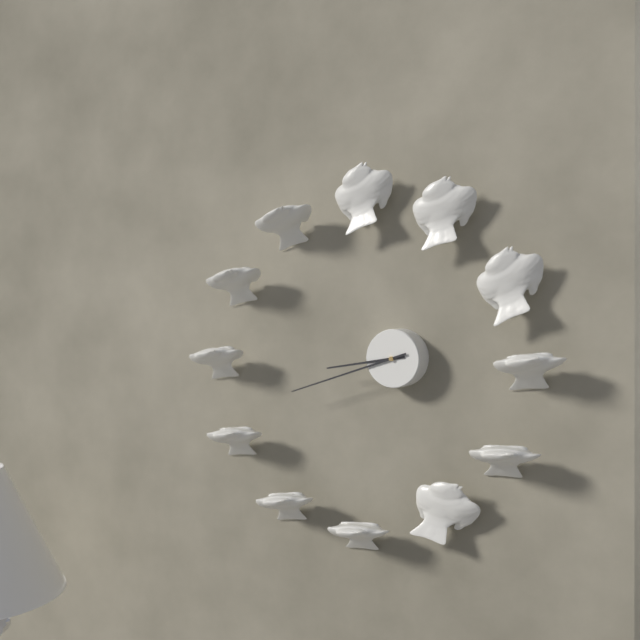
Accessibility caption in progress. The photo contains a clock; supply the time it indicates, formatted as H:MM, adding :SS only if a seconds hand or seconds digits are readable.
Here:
8:42
